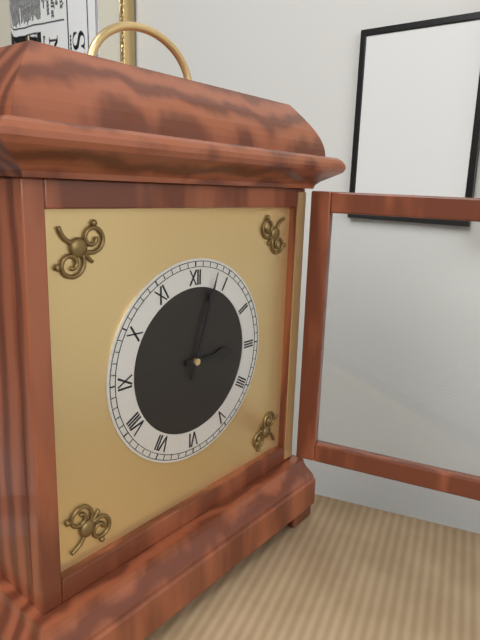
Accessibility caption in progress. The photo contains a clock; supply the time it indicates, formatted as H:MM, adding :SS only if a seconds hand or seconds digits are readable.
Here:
3:03
